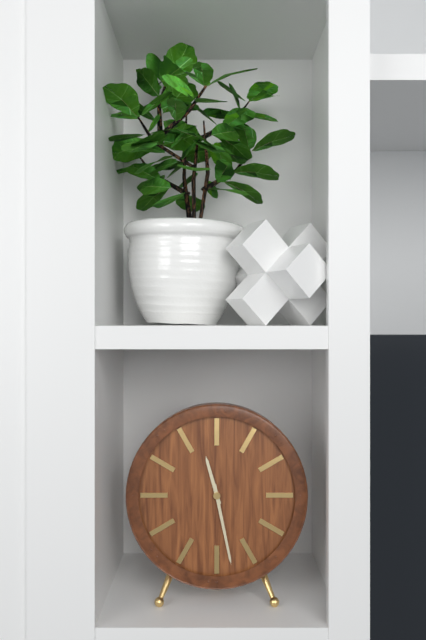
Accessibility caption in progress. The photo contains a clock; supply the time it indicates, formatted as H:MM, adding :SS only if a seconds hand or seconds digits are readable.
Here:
11:28
